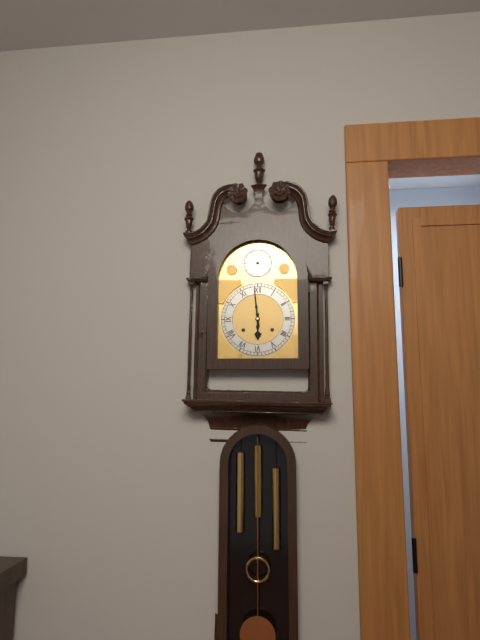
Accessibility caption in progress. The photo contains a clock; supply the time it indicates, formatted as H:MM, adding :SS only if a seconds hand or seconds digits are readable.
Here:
5:59
